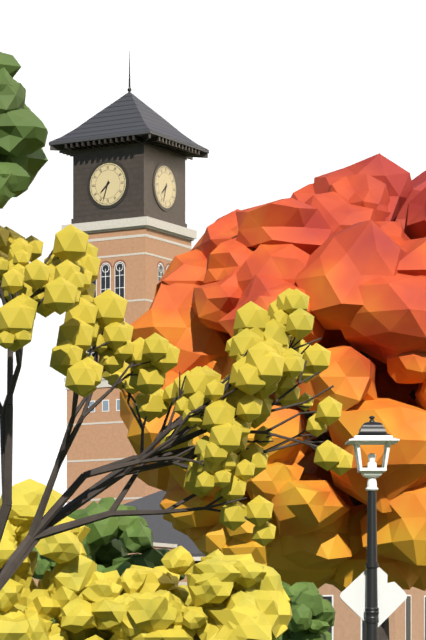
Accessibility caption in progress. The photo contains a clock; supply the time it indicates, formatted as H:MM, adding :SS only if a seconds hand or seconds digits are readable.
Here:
7:33
